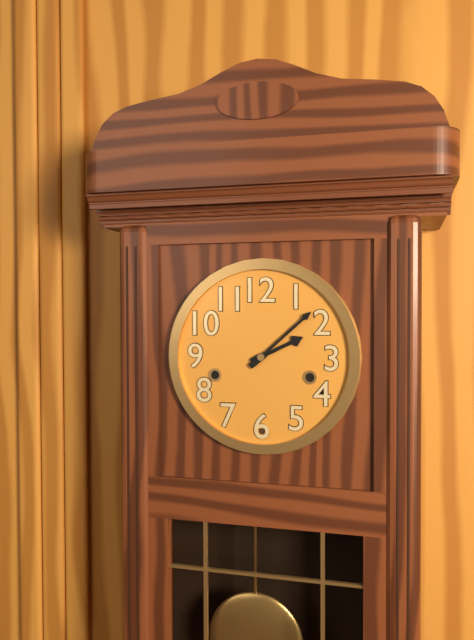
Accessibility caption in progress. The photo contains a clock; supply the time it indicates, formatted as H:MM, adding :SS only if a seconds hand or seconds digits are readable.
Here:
2:08
